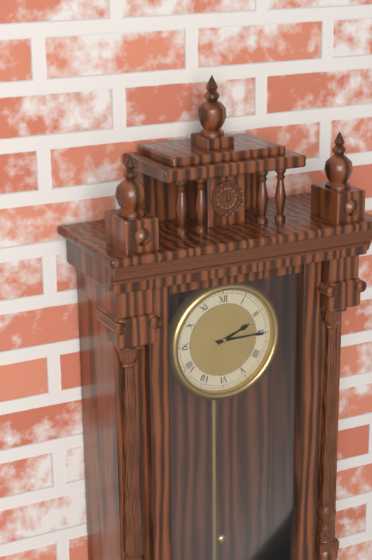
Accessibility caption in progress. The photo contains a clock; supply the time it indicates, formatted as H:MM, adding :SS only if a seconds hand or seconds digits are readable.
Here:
2:15
